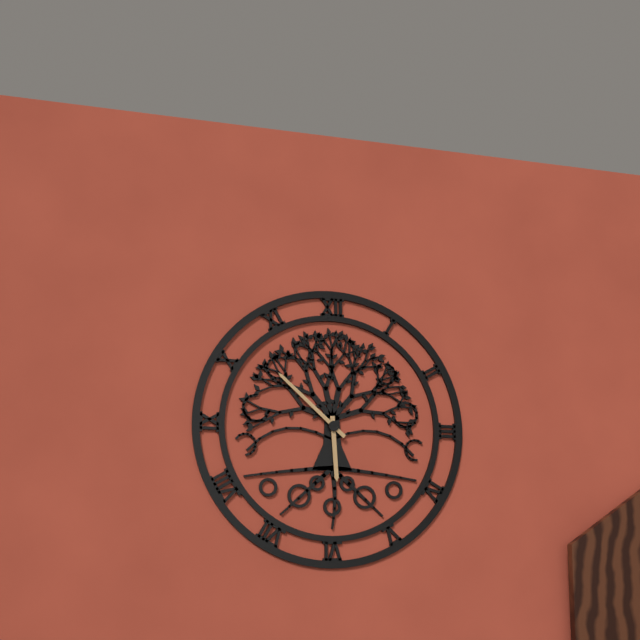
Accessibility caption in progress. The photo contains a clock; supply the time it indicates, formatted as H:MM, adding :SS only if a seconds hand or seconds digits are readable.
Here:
5:52
